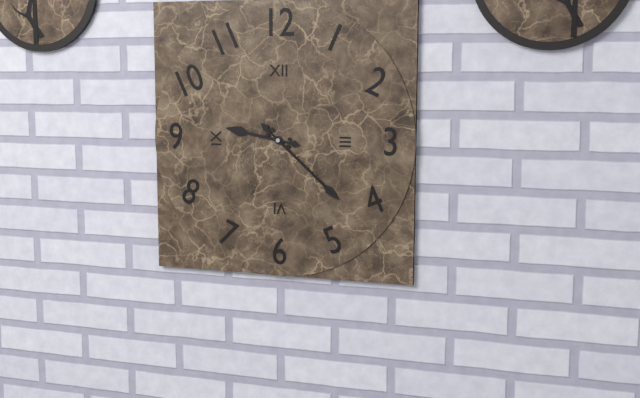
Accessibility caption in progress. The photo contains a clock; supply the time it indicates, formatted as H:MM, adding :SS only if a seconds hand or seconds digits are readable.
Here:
9:22:22
